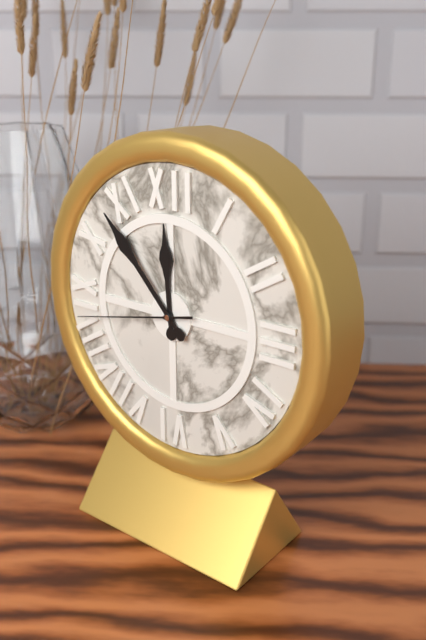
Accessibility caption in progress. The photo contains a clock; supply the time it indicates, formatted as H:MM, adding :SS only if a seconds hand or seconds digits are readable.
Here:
11:53:43
